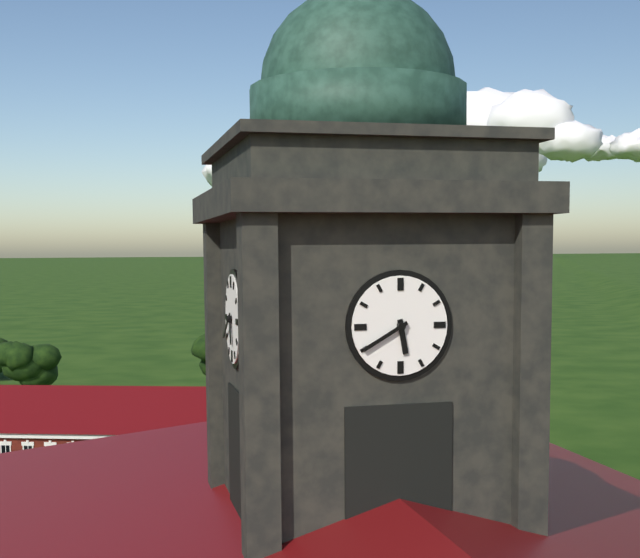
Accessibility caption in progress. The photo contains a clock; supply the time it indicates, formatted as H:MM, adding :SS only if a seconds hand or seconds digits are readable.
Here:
5:40
